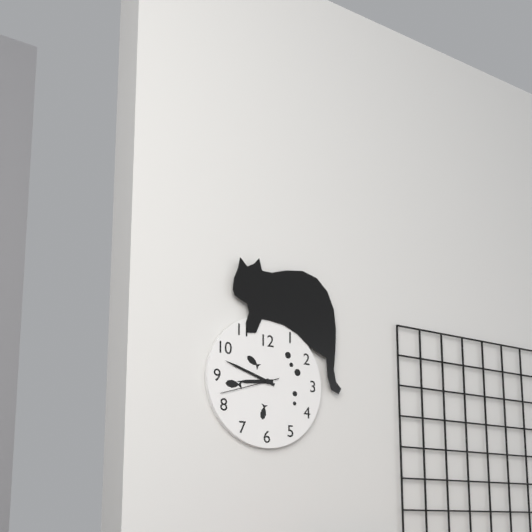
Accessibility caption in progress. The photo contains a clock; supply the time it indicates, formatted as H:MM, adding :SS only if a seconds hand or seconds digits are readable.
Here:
8:48:42
